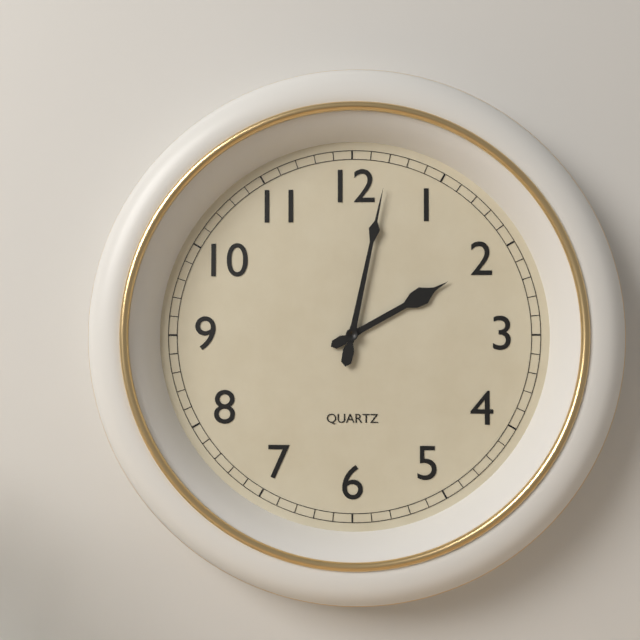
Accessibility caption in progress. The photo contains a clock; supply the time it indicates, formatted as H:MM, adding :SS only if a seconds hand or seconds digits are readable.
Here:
2:02
